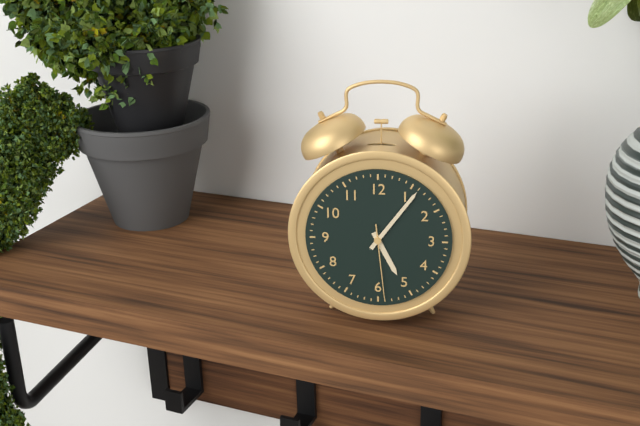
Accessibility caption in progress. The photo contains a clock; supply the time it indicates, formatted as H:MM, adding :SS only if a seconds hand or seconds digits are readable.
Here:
5:06:29
